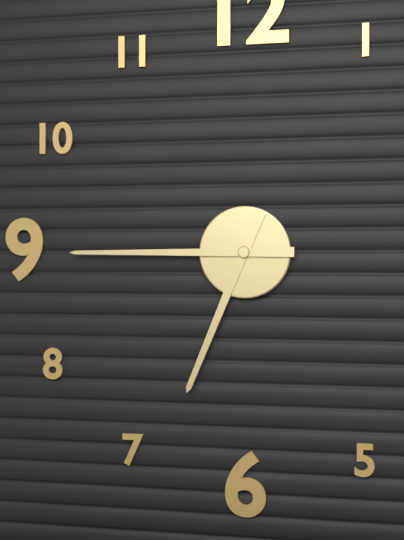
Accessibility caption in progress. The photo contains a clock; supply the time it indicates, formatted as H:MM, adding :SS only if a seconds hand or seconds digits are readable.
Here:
6:45
